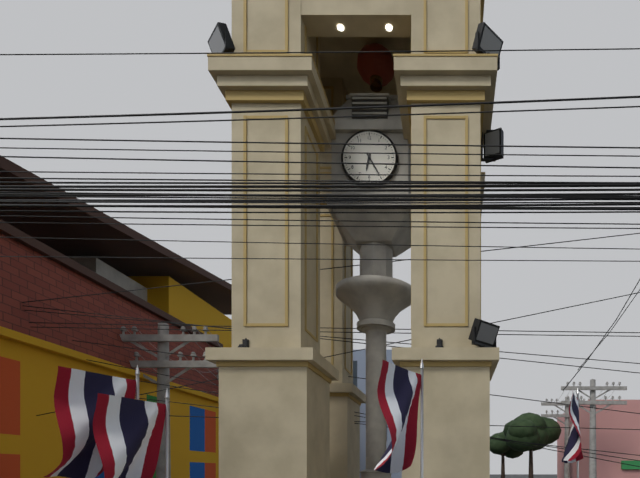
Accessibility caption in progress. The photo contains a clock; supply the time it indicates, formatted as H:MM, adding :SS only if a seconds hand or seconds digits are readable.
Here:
6:25
